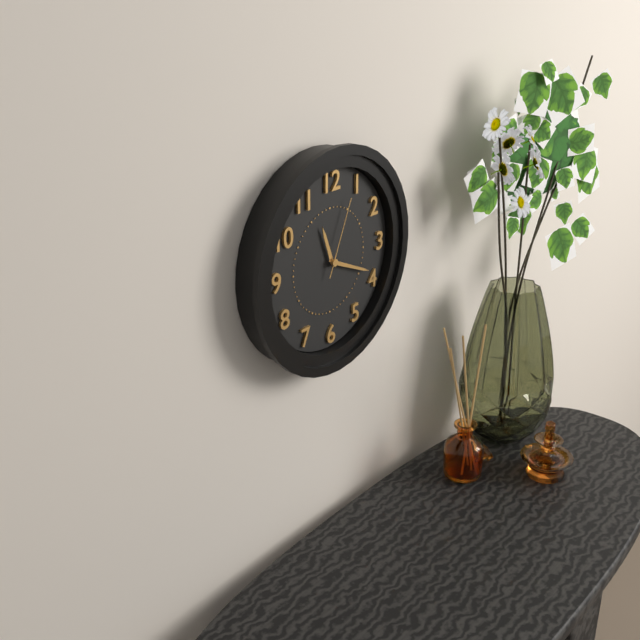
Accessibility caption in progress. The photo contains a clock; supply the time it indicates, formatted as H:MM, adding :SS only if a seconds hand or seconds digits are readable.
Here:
11:19:04
